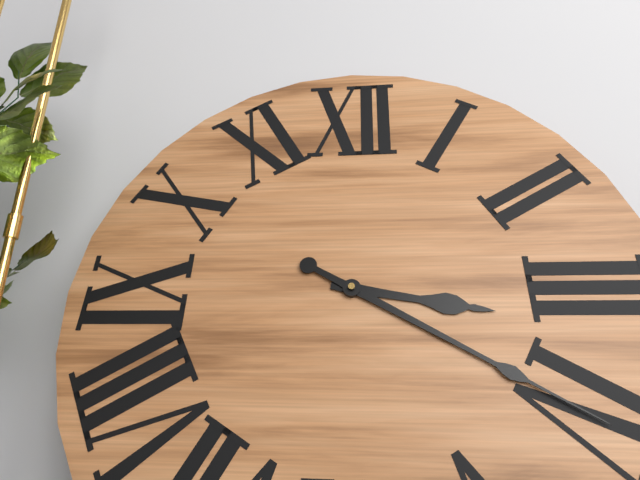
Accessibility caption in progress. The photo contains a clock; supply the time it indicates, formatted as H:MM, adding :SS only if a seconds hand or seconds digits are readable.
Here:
3:20
